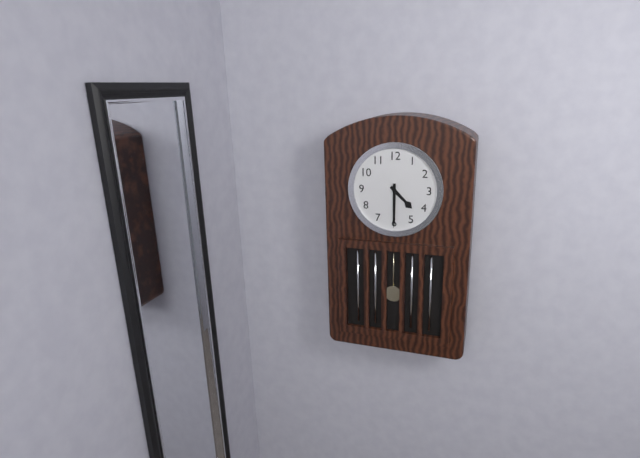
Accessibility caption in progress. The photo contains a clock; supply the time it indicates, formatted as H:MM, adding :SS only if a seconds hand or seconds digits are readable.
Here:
4:30
